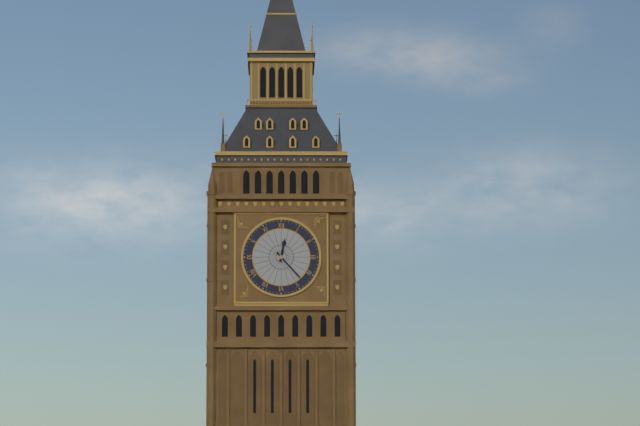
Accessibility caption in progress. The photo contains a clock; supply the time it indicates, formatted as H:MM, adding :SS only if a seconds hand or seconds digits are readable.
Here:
12:23
